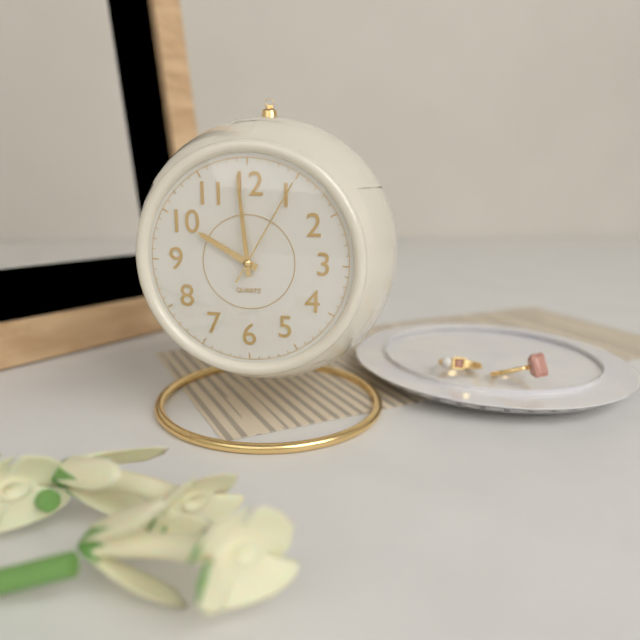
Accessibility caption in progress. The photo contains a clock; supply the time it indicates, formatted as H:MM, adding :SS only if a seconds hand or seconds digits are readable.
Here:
9:59:05
